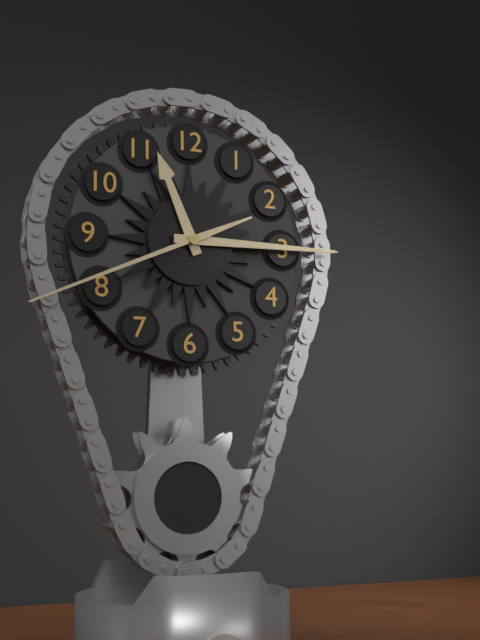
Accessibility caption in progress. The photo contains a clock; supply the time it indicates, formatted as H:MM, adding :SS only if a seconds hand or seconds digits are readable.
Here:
11:15:41
